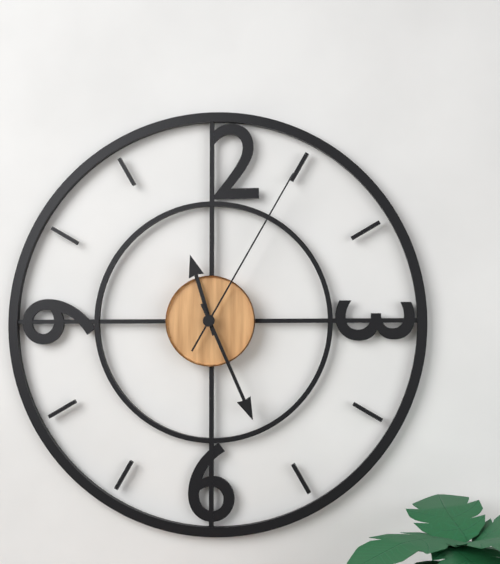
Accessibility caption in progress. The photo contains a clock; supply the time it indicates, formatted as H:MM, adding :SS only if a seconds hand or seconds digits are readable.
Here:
11:26:05
